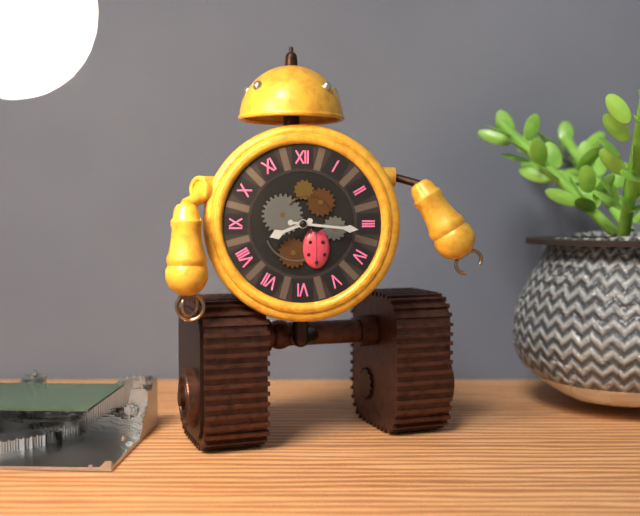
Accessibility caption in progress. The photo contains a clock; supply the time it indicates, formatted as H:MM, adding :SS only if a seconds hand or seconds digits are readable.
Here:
8:16
